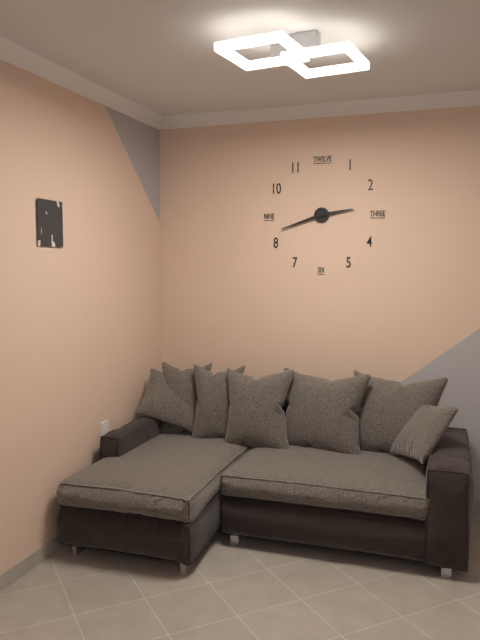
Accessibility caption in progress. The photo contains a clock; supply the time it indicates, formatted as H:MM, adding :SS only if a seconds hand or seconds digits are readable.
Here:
2:42
